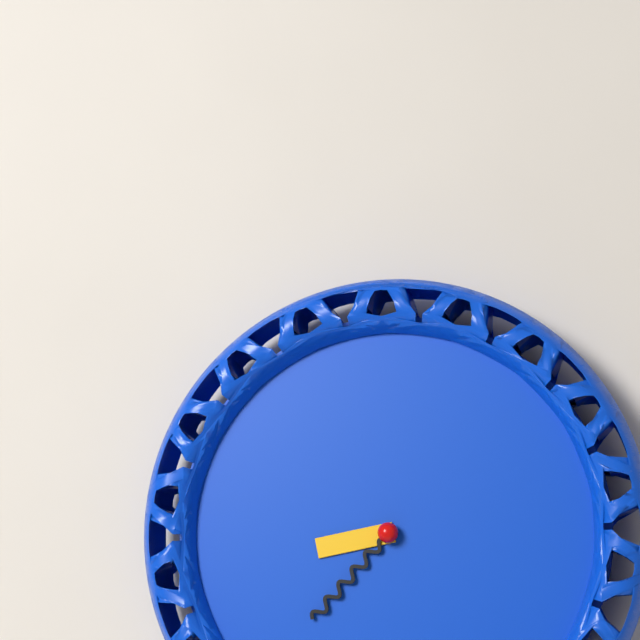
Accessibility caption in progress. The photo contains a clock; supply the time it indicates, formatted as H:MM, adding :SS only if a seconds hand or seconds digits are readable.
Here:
8:37
